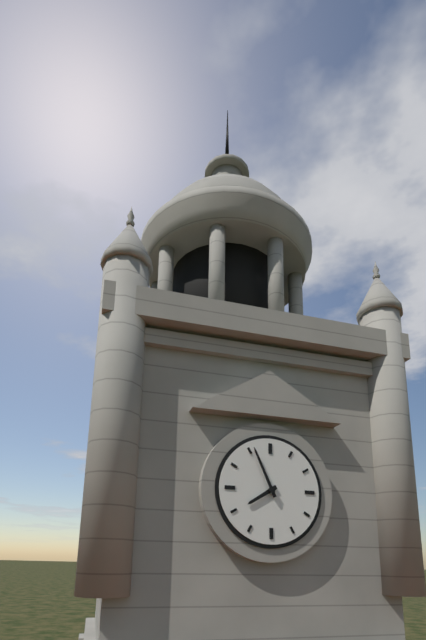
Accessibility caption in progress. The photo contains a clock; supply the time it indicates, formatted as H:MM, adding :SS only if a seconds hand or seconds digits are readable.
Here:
7:56
